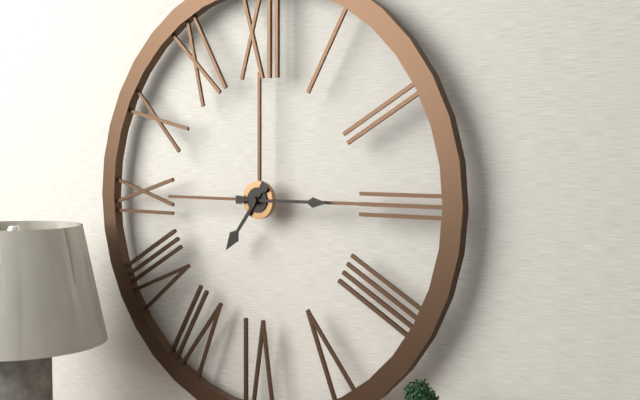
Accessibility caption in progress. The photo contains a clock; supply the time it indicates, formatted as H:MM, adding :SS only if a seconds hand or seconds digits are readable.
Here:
7:15
